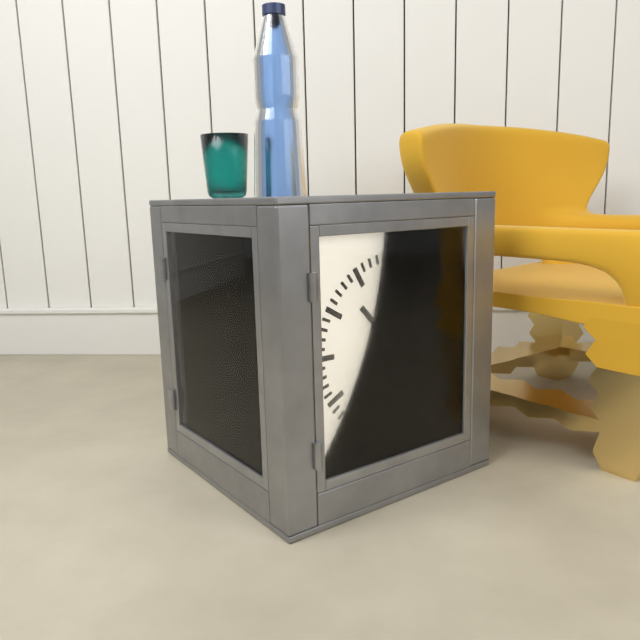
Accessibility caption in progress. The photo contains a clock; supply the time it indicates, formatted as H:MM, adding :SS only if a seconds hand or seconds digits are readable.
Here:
10:35
